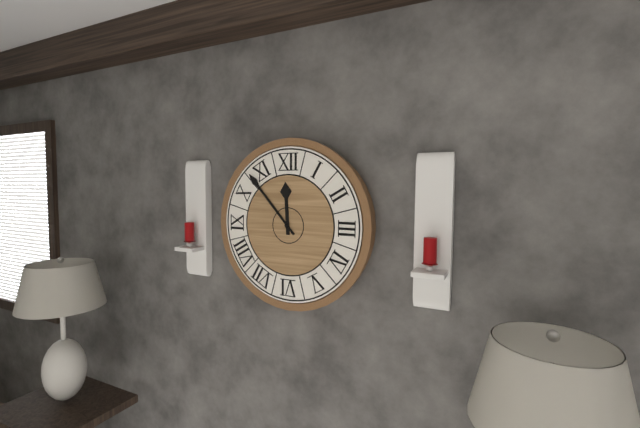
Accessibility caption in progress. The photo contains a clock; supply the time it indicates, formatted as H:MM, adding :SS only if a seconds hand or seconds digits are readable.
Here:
11:53
